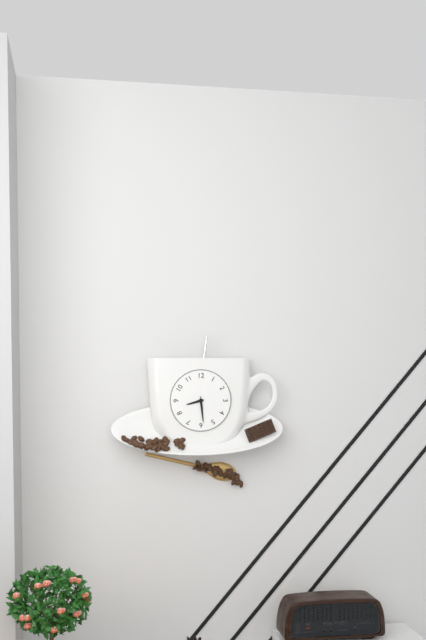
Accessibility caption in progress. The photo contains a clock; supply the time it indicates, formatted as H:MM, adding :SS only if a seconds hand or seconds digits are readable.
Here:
8:29
